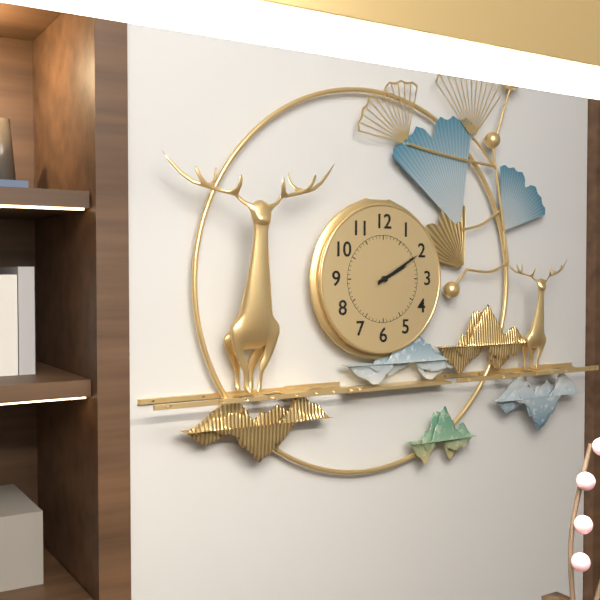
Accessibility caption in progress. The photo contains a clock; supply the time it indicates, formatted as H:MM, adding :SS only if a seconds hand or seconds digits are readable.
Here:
2:10
